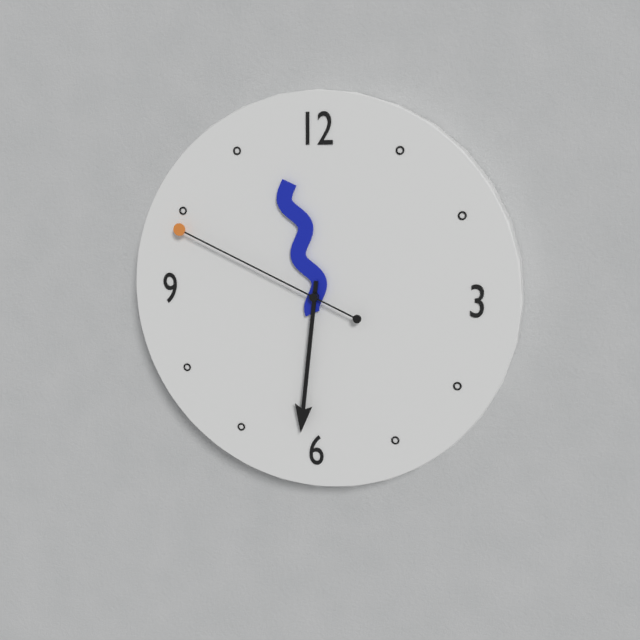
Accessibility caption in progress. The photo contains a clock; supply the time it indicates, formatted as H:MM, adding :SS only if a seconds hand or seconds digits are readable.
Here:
11:31:49
